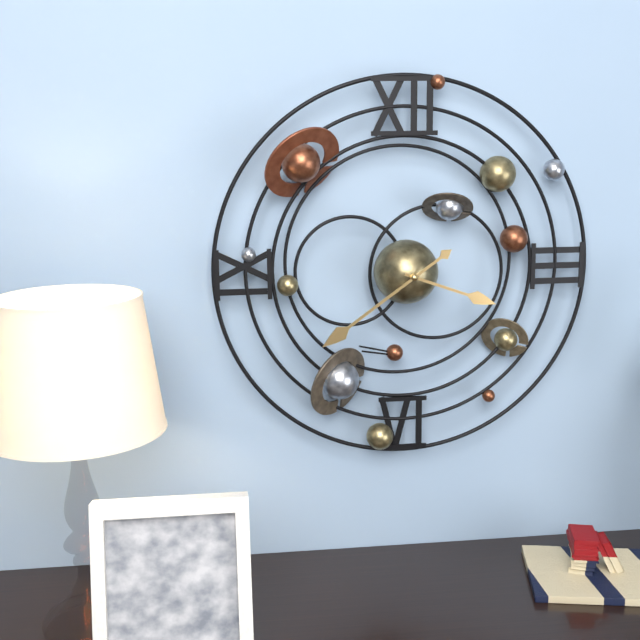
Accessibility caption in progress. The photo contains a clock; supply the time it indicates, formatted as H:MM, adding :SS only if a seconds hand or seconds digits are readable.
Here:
3:39
